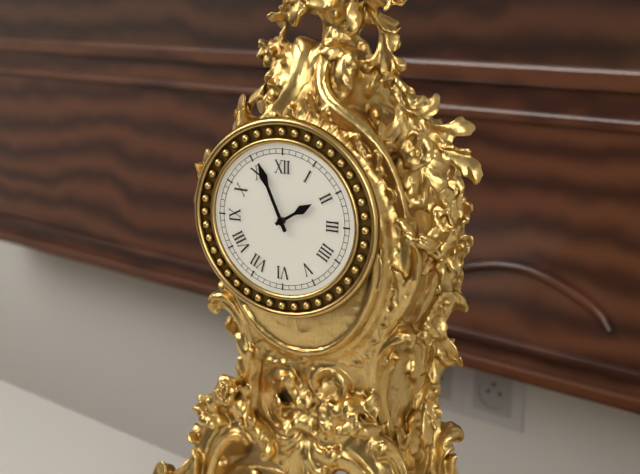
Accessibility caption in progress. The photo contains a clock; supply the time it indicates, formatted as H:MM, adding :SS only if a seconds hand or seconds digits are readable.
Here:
1:56
